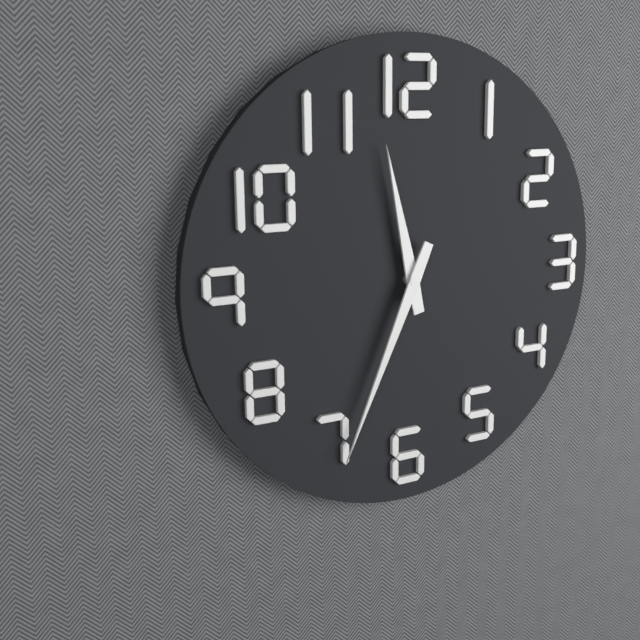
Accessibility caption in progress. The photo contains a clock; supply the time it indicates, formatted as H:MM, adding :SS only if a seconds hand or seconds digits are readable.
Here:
11:34
